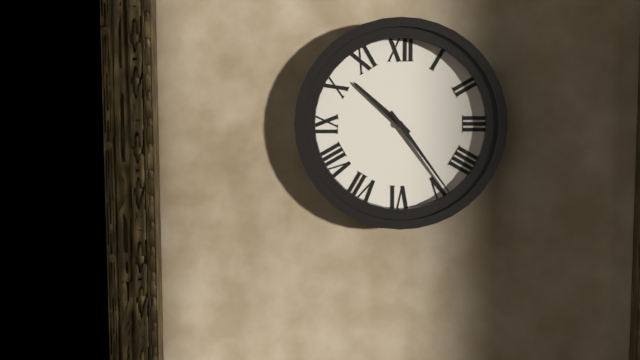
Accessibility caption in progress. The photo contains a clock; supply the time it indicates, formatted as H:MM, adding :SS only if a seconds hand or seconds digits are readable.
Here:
10:24
